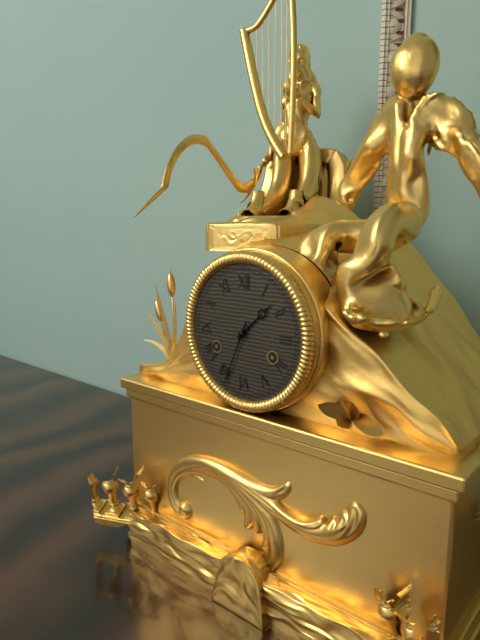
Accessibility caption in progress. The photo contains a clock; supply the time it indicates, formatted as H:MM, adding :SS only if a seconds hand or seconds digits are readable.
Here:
1:34
